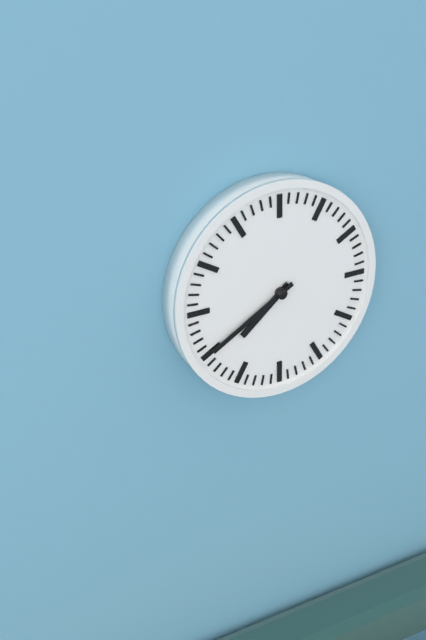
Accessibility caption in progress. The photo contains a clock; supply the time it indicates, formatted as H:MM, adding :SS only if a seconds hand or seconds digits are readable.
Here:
7:40
